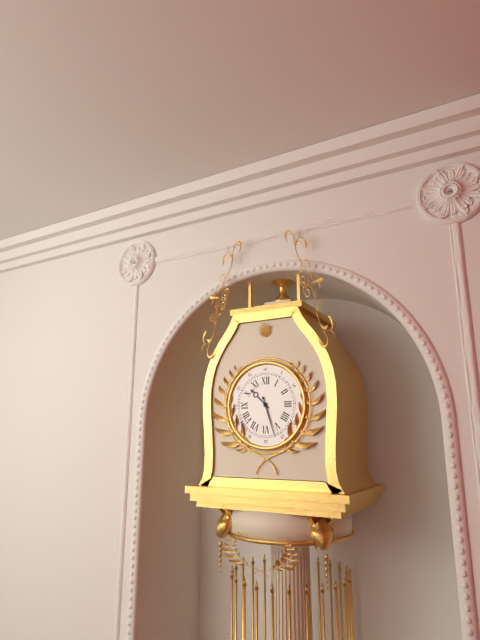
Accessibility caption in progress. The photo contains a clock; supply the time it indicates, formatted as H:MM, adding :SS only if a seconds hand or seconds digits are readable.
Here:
10:27
